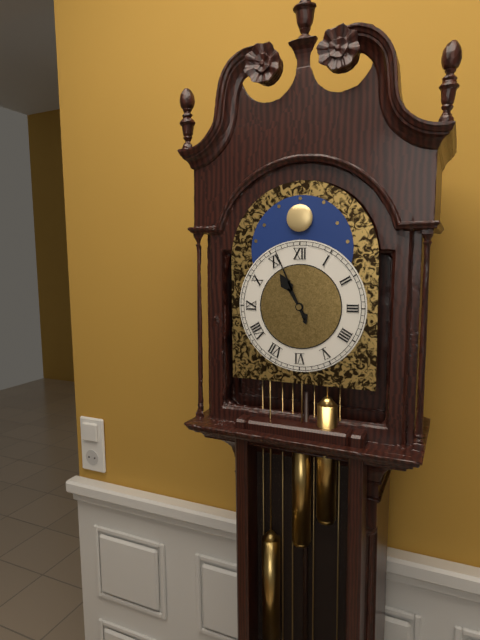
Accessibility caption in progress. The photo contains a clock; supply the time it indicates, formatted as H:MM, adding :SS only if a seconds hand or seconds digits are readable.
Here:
10:56
